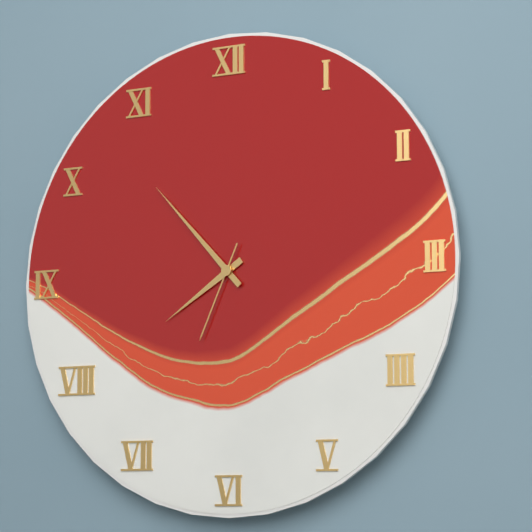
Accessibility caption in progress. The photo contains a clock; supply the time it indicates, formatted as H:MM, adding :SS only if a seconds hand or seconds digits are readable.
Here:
7:53:34
